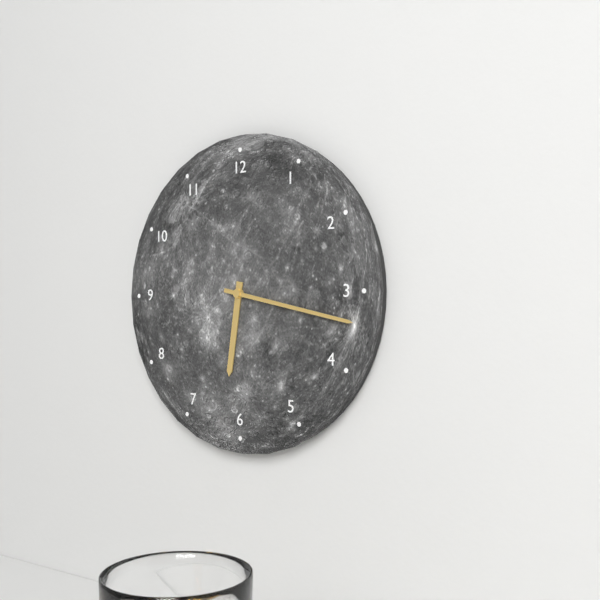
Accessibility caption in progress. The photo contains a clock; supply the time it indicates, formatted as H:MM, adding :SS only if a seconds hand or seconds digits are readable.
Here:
6:17
